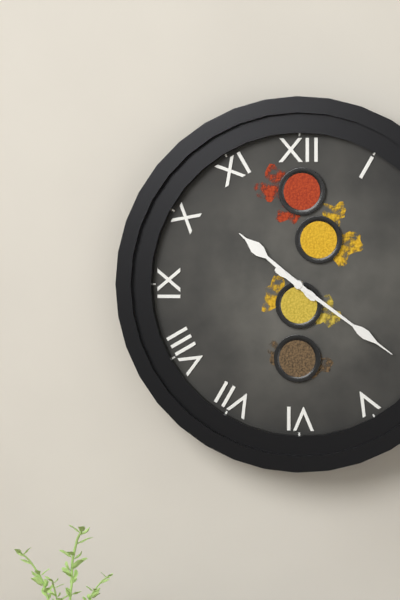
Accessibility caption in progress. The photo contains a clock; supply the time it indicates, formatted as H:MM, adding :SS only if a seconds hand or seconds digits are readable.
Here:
10:21
